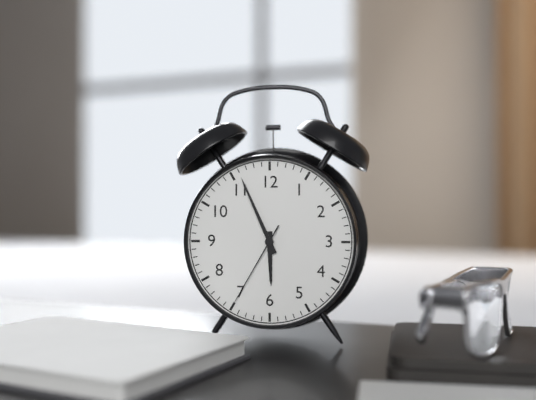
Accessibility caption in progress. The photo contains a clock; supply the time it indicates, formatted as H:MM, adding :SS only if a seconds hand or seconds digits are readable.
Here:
5:56:35
